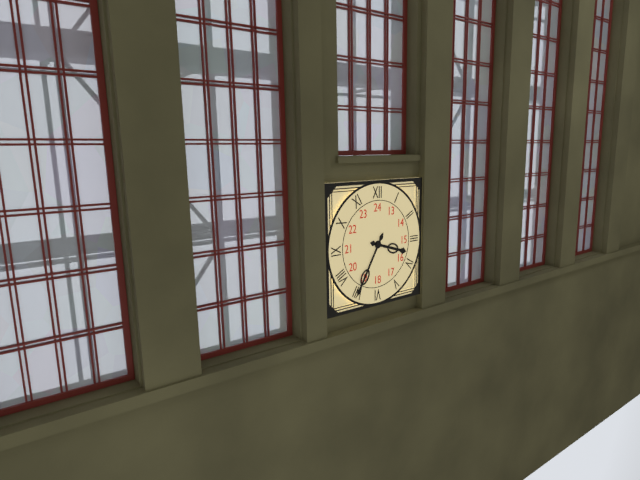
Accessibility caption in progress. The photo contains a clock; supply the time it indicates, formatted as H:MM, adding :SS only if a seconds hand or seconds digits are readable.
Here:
3:35
